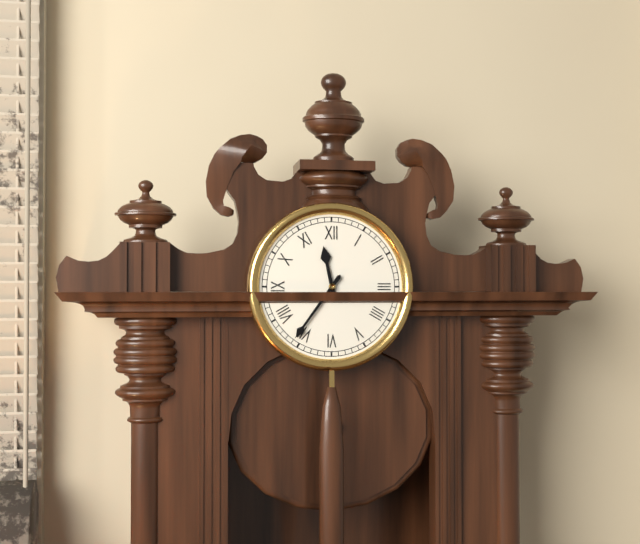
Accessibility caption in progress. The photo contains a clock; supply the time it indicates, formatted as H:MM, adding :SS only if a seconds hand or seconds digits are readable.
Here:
11:36
